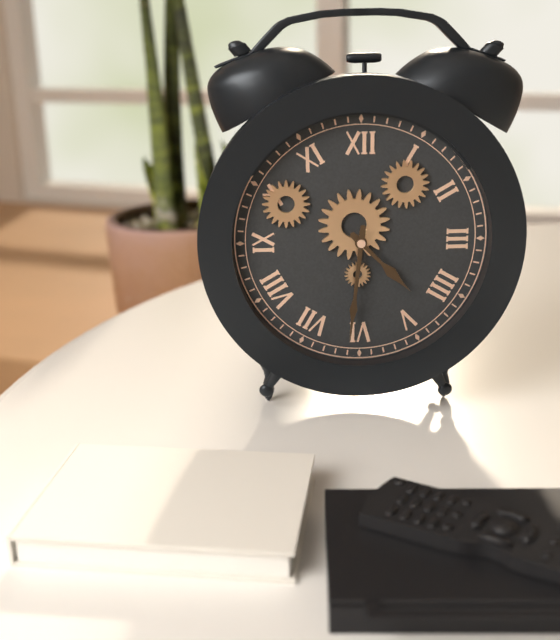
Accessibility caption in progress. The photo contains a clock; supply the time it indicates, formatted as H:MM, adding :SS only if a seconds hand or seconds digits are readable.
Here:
4:31
